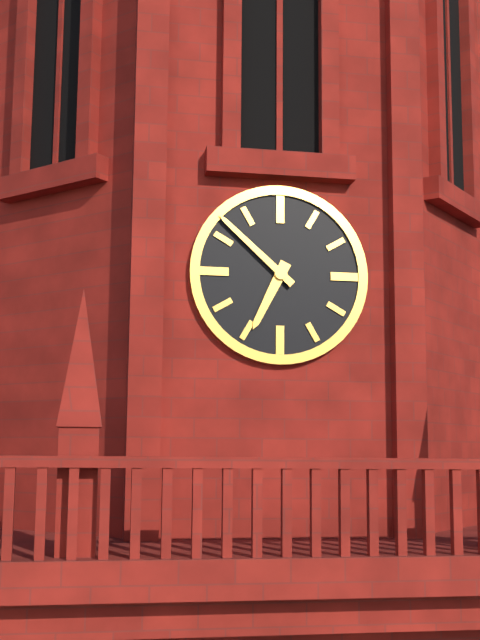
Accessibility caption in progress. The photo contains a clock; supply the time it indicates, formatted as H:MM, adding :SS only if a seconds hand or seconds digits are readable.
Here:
6:52
